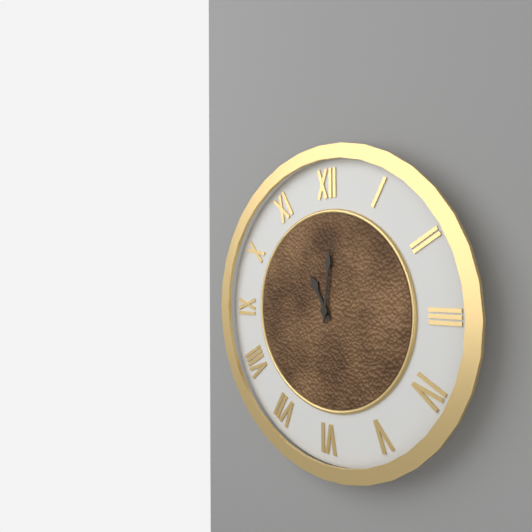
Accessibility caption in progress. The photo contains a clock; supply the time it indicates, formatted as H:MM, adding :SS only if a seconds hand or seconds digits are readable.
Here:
11:01
